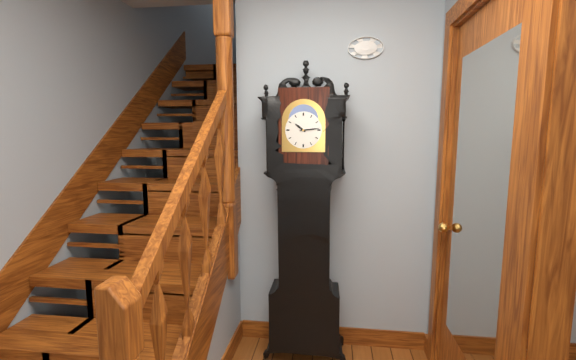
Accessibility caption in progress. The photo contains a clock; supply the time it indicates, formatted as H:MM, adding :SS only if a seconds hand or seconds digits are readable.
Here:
10:14
